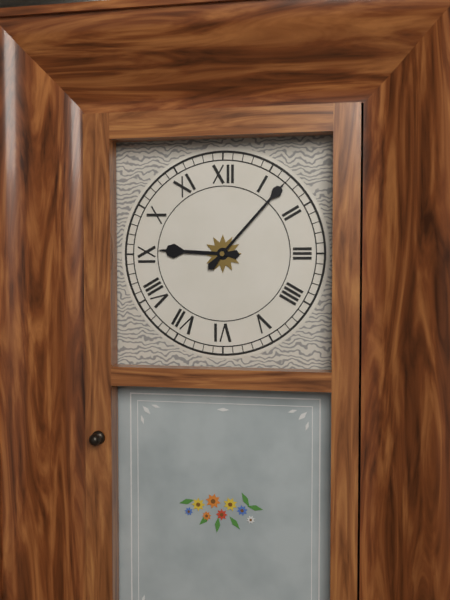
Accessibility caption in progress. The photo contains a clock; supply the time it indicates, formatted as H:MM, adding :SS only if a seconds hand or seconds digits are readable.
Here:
9:07
